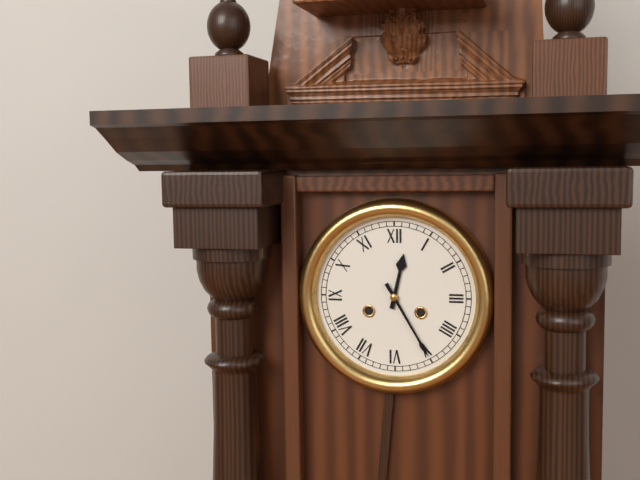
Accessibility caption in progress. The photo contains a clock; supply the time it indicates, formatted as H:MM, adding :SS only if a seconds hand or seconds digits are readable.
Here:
12:25
